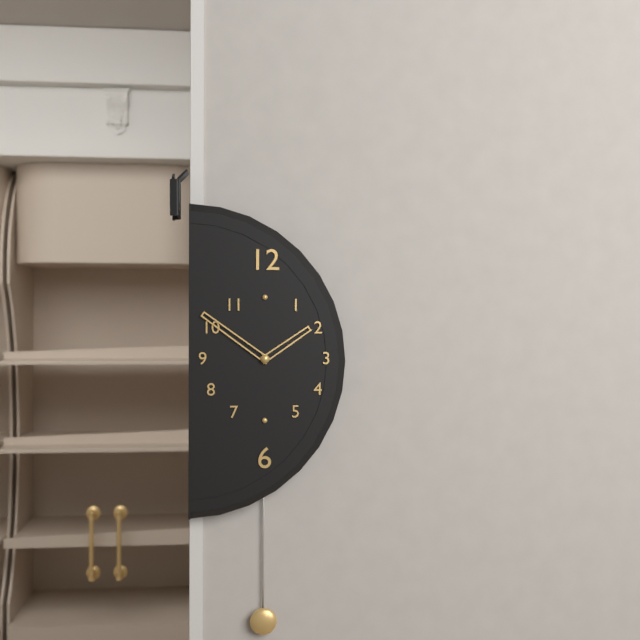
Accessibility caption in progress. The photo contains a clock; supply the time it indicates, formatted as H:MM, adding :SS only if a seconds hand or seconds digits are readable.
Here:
1:51
